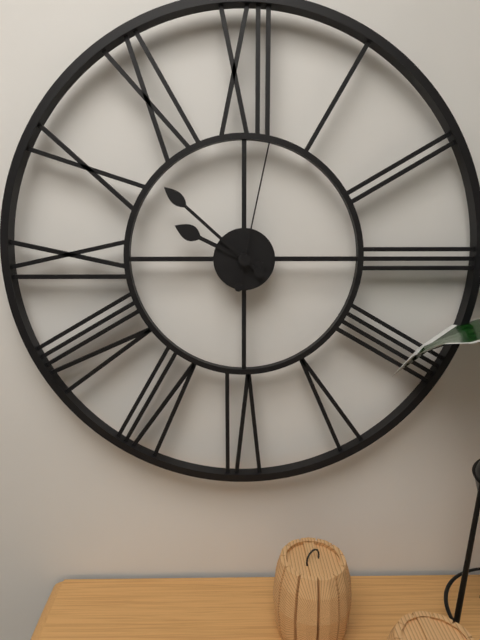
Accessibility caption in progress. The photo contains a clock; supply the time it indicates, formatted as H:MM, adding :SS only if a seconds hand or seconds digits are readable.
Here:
9:52:02
